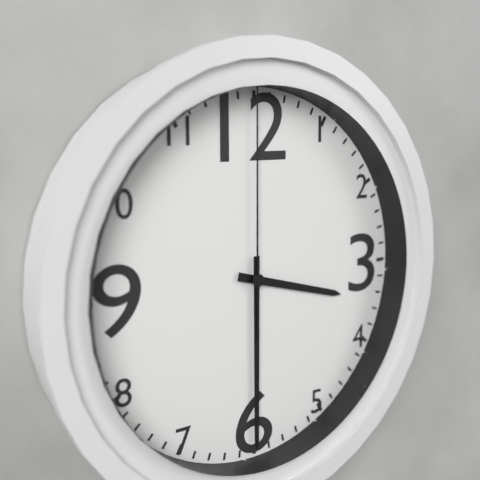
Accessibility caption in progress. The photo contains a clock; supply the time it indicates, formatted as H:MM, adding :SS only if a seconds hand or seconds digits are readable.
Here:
3:30:00
